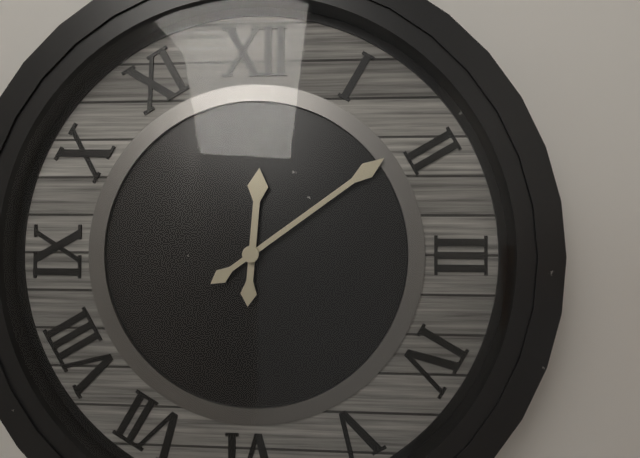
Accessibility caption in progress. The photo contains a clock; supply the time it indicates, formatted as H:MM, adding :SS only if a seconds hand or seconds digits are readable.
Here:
12:09
